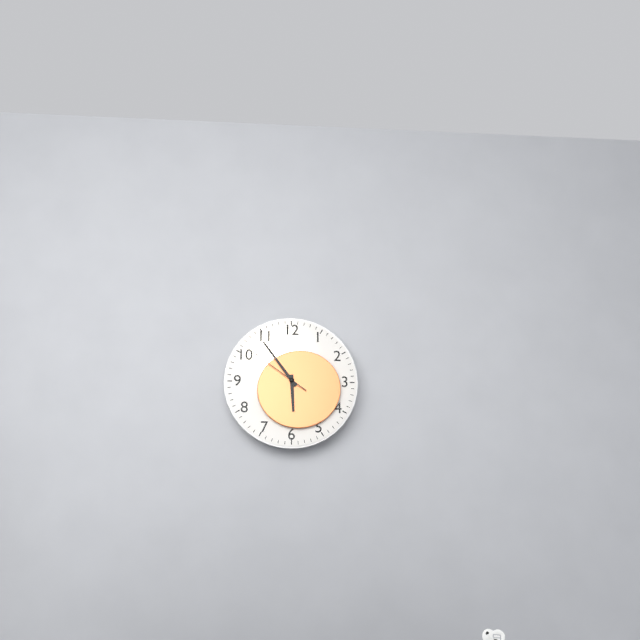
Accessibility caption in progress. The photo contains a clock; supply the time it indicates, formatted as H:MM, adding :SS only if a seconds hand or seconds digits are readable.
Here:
5:54:51
